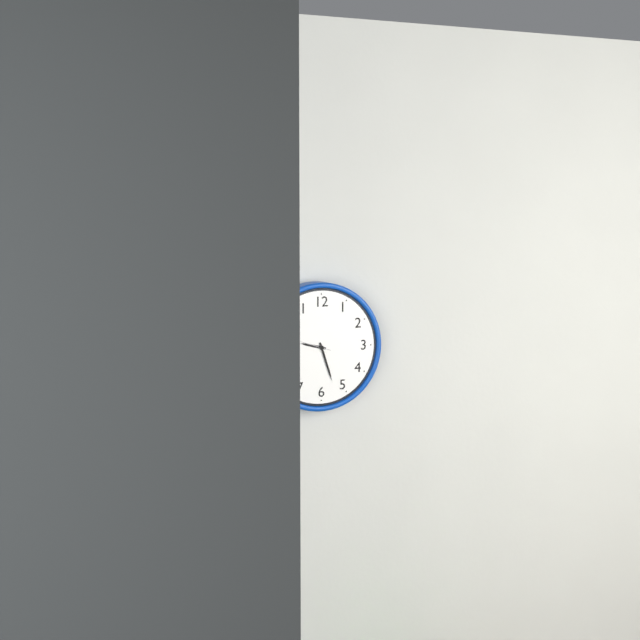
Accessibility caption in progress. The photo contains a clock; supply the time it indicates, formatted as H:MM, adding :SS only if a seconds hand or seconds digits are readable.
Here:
9:27
